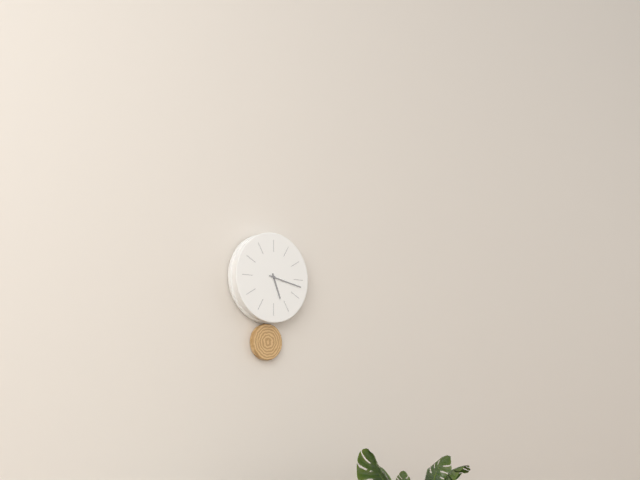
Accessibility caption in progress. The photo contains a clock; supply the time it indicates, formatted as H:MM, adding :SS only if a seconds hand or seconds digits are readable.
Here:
5:17
